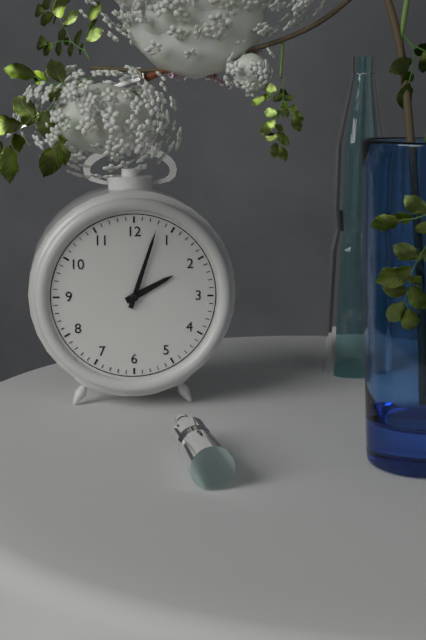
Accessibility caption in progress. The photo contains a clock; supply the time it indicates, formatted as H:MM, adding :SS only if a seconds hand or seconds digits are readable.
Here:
2:03
